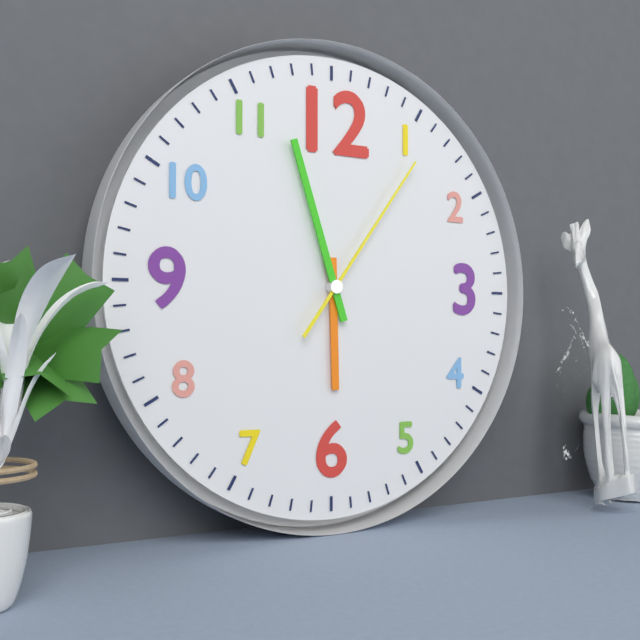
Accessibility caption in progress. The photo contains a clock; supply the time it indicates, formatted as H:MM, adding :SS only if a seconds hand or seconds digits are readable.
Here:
5:57:06
